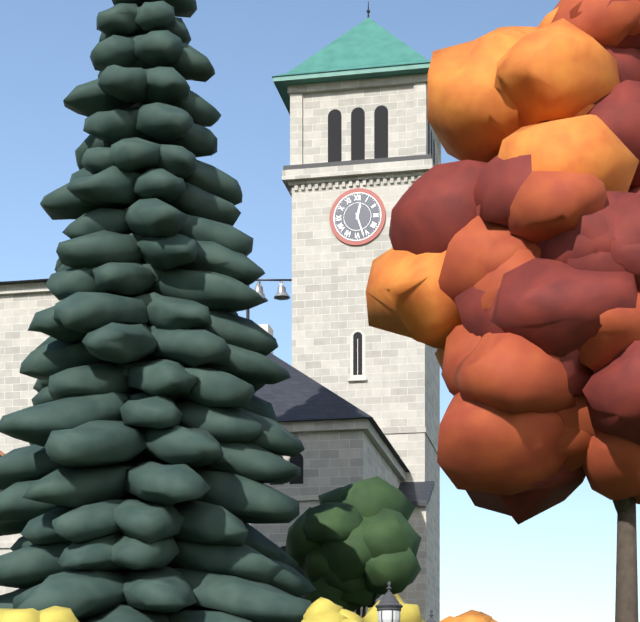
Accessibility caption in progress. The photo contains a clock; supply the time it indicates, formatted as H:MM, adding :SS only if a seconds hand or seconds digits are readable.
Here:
12:27
